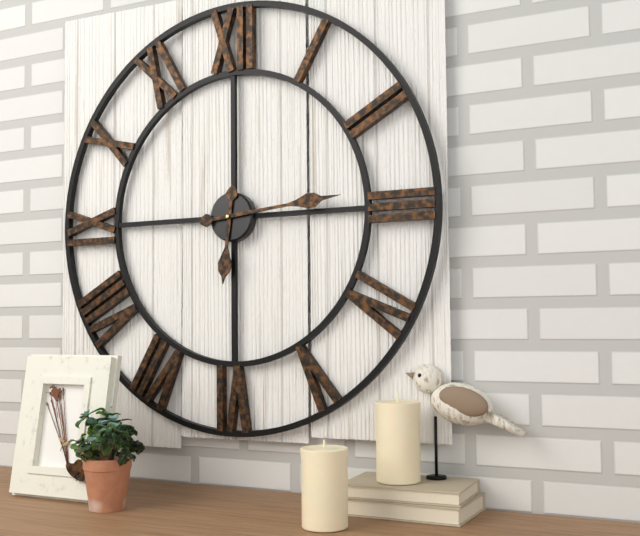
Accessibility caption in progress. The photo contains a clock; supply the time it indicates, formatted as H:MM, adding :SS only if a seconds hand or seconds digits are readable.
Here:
6:14
